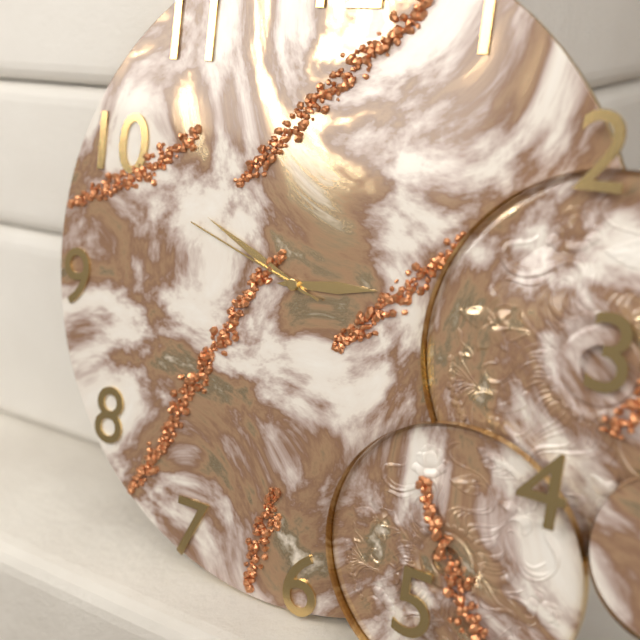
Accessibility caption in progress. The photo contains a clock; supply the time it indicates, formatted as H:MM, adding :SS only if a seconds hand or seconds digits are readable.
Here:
2:49:48
